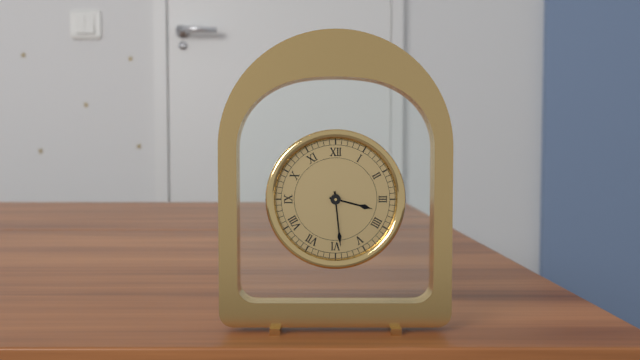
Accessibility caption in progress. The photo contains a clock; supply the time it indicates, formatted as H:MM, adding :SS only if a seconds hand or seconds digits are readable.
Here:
3:29
